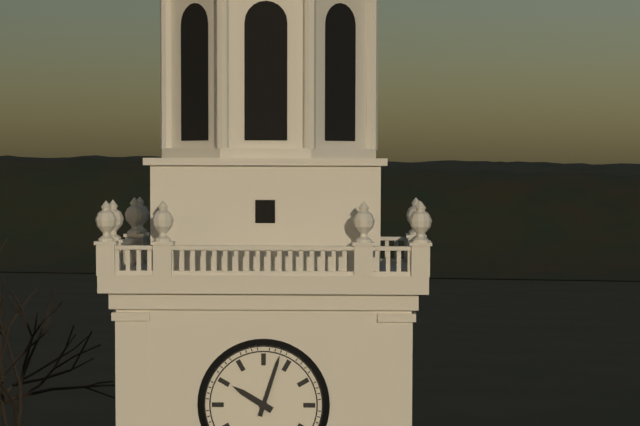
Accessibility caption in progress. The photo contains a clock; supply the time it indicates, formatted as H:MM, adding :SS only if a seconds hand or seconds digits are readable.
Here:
10:03
